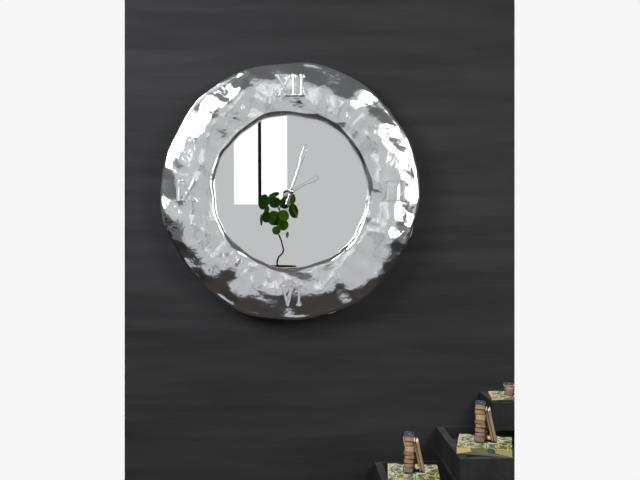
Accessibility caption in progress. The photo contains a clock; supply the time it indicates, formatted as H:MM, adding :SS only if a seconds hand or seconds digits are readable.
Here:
2:03
